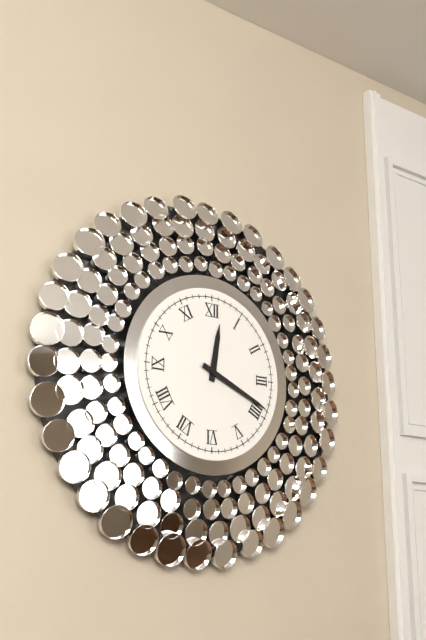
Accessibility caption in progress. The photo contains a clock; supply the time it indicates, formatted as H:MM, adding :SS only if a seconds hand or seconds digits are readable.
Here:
12:19
